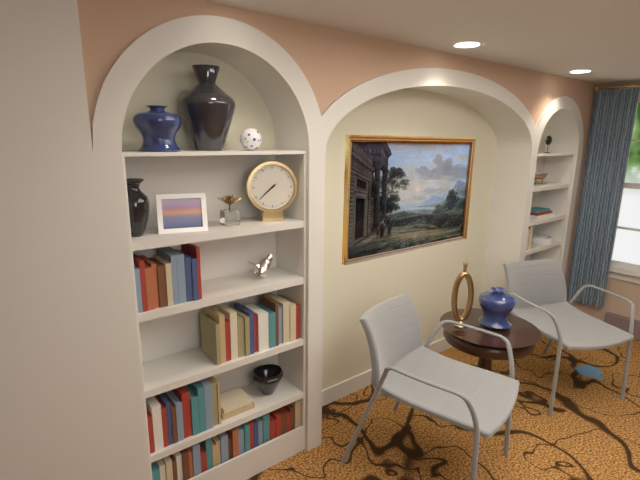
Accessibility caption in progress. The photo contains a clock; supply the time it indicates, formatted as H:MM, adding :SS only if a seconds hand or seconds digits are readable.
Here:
7:38
